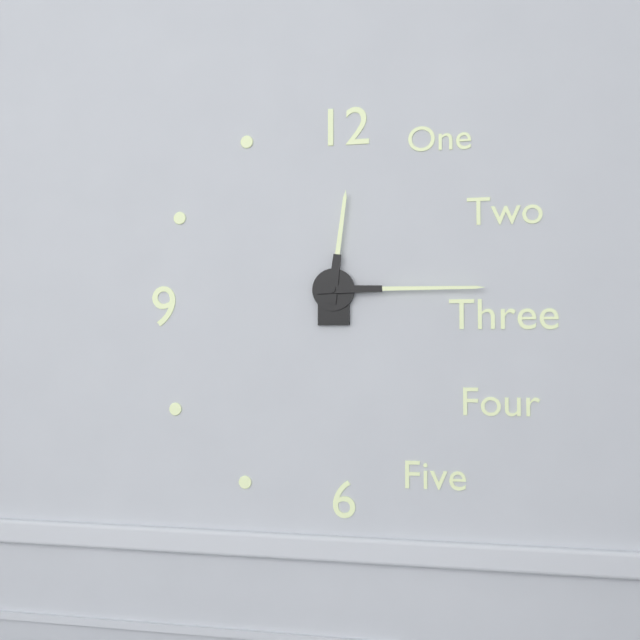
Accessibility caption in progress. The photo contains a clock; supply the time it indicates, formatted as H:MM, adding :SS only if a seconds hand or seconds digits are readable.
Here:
12:15
